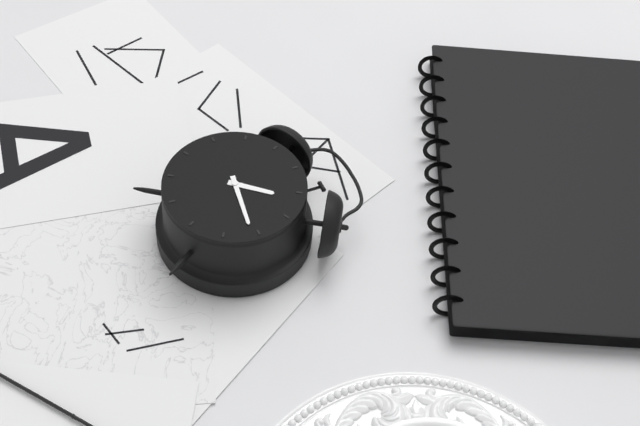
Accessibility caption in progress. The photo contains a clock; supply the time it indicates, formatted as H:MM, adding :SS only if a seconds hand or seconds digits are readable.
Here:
1:16
